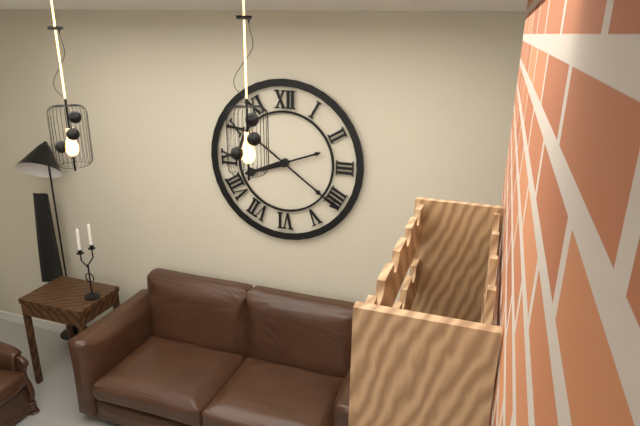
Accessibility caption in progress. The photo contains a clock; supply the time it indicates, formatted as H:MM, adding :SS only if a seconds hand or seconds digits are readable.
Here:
8:21
